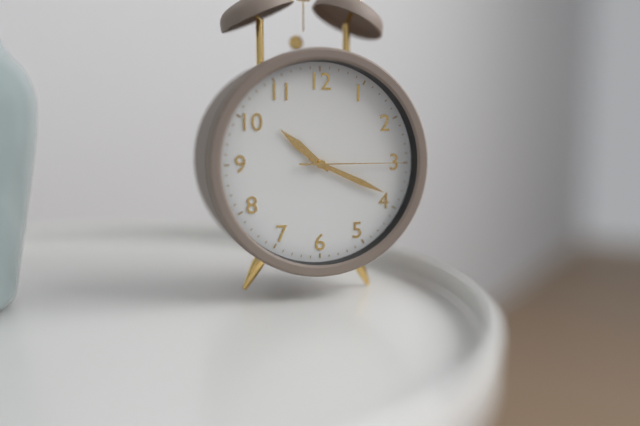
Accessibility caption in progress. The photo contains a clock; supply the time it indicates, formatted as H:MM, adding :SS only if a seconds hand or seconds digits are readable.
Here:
10:19:15
